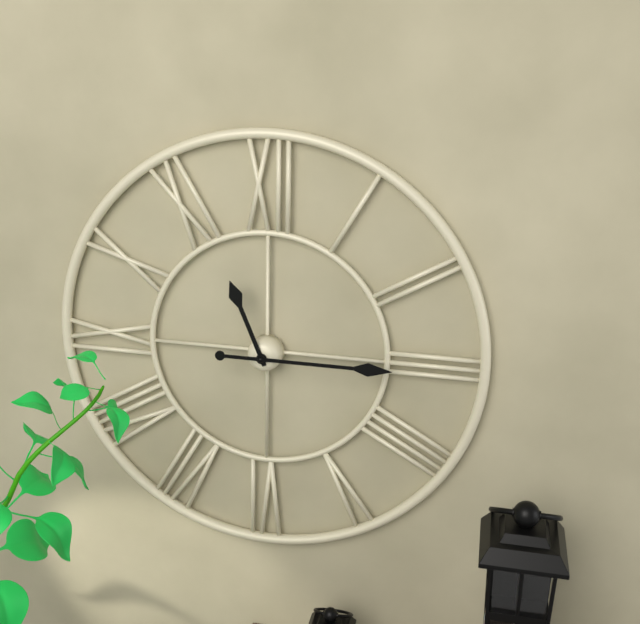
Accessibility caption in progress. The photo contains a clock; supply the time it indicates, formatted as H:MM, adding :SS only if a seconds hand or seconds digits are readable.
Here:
11:15
